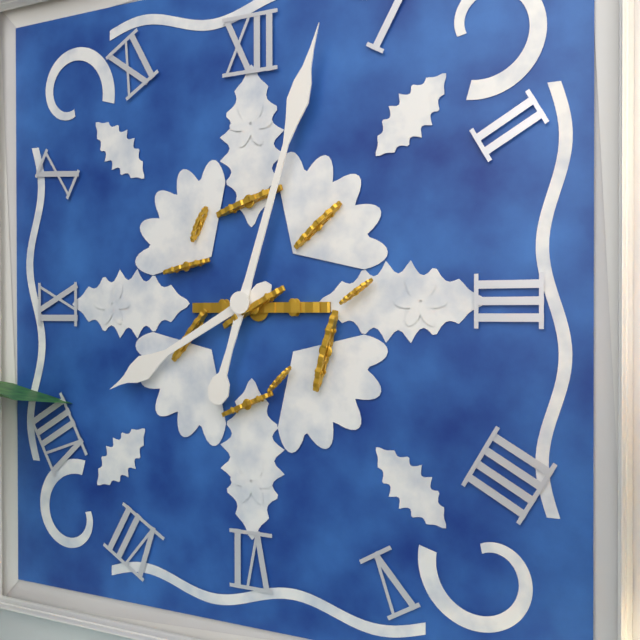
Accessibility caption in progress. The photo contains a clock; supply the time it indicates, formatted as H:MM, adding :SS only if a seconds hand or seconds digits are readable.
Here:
8:03
